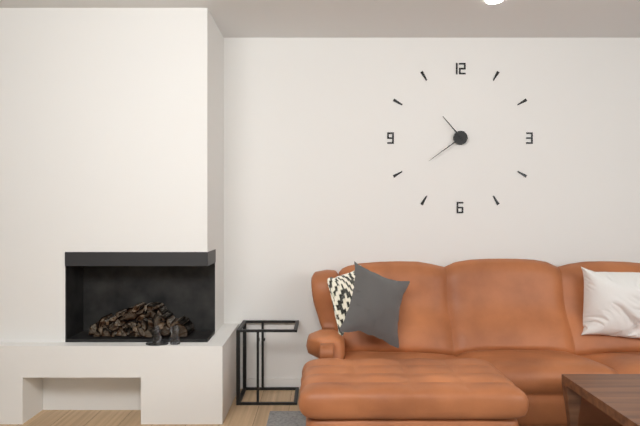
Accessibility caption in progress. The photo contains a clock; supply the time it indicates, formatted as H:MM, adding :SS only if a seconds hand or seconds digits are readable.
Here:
10:39
